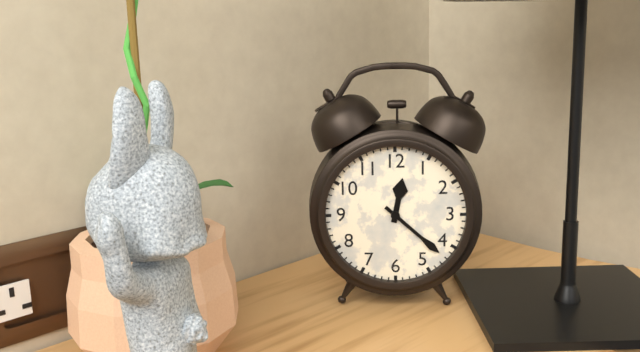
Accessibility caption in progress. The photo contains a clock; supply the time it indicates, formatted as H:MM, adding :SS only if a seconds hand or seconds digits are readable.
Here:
12:22
